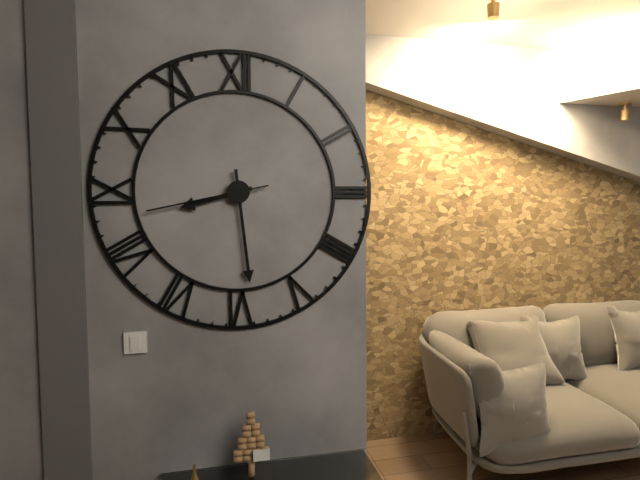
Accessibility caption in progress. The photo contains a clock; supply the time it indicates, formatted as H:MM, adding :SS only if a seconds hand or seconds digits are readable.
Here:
8:29:43
